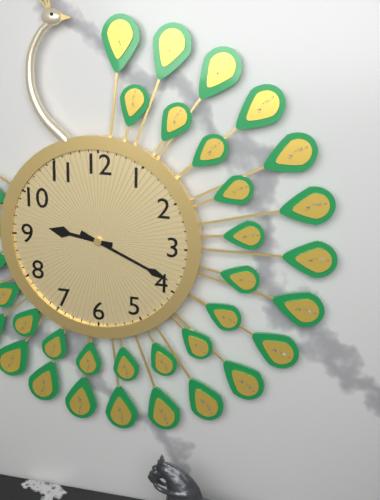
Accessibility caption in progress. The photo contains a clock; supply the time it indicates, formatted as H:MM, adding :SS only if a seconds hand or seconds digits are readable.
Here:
9:19
